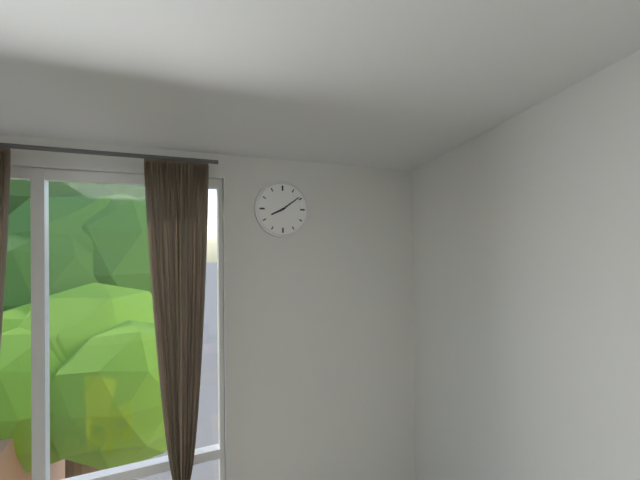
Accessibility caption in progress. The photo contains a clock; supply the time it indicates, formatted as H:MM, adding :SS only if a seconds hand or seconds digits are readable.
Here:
8:09
